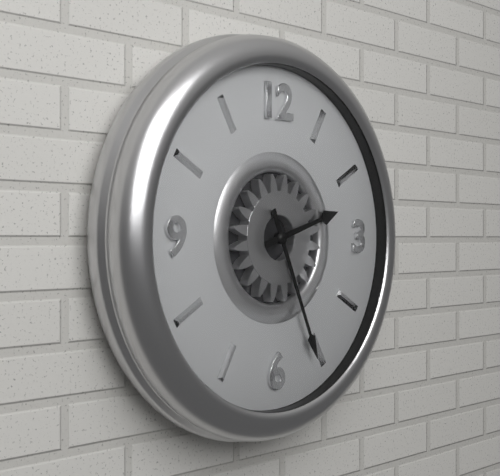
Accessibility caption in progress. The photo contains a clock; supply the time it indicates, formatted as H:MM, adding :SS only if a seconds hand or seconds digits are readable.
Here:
2:26
